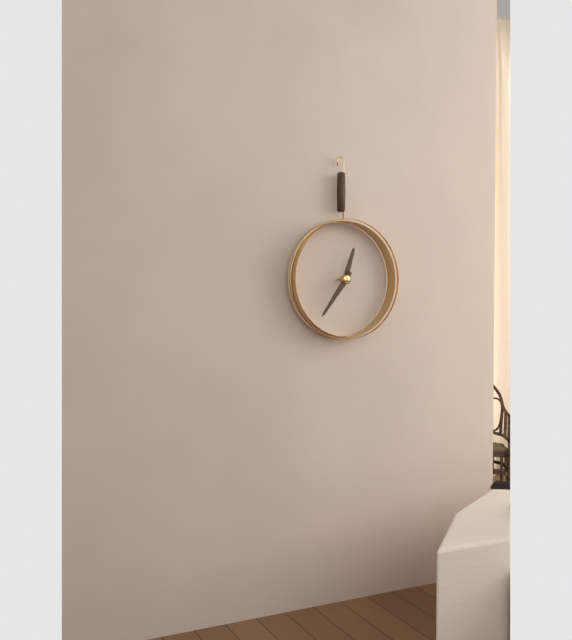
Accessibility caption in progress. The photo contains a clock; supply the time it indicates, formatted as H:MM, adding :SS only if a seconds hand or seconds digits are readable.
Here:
12:36
